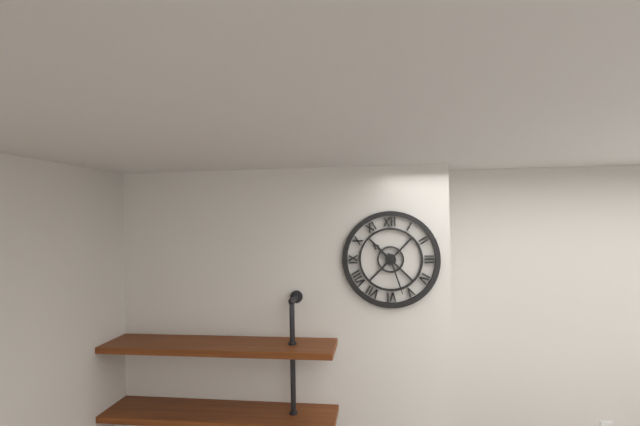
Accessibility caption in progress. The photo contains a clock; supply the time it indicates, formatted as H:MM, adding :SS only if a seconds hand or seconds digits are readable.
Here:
10:27
